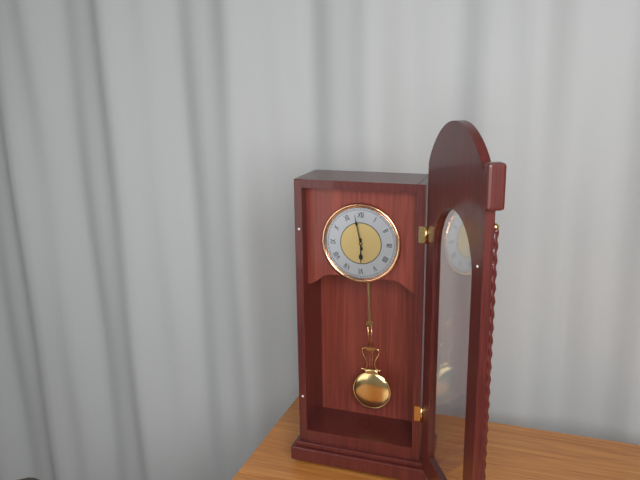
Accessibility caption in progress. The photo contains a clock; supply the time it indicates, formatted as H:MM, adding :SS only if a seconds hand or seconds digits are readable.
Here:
5:58
